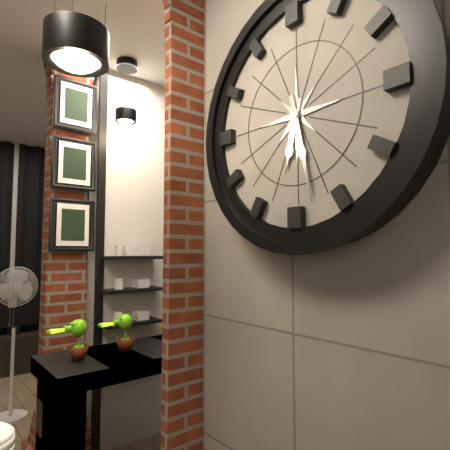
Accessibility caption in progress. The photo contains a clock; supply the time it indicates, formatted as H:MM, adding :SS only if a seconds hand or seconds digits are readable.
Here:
6:28
